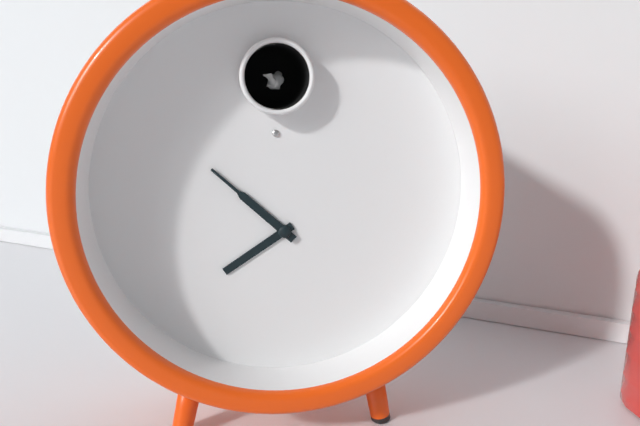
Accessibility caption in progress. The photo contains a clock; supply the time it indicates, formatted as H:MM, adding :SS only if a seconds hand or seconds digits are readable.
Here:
7:52
